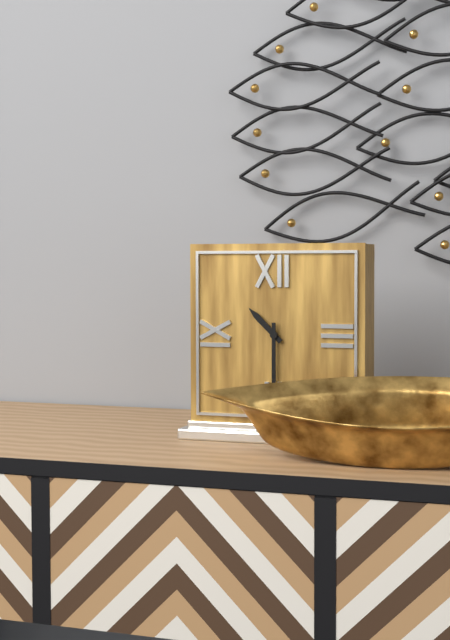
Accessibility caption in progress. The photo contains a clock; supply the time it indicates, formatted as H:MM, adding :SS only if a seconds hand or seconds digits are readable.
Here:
10:30
